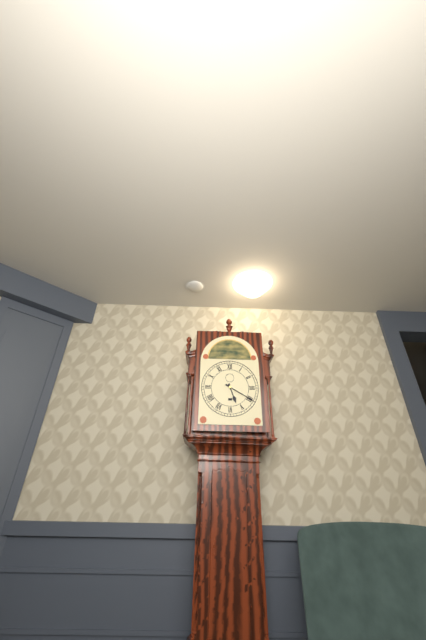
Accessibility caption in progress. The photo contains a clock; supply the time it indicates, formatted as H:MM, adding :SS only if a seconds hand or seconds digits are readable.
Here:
5:20
